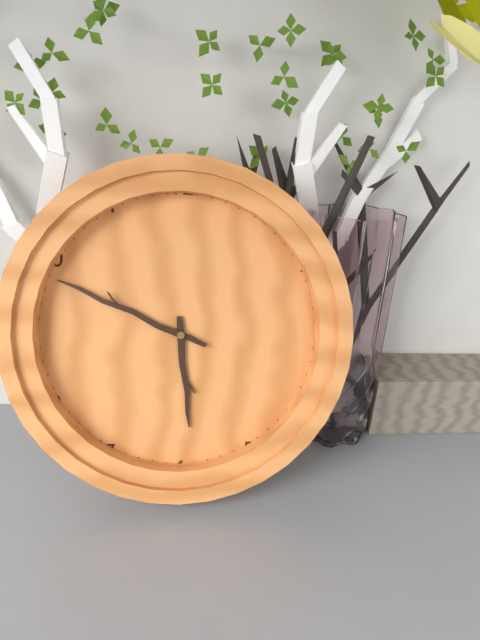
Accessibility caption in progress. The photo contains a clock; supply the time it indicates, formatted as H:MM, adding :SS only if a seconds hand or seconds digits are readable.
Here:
5:49
